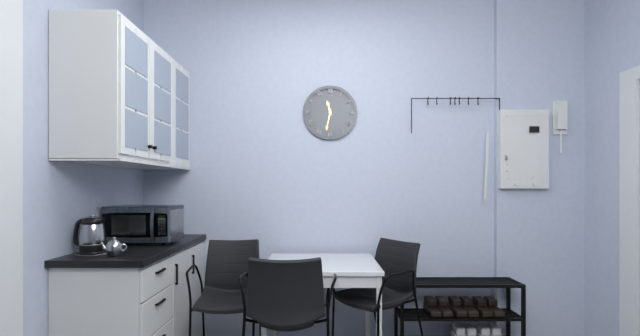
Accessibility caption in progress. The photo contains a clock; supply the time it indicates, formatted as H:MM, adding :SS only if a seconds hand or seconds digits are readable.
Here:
11:32
